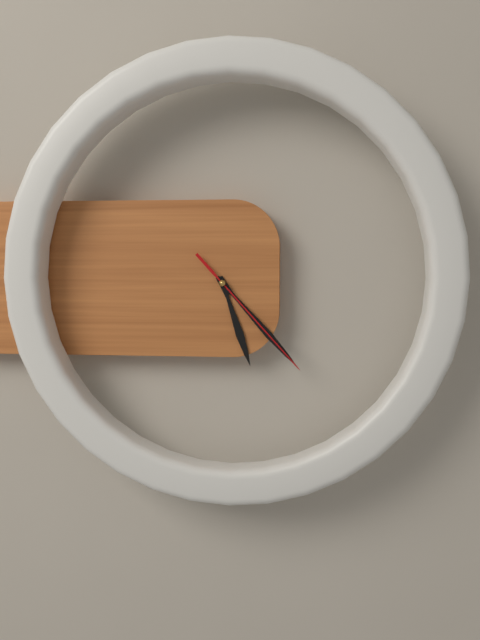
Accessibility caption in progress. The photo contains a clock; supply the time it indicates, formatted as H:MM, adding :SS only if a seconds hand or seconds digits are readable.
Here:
5:23:23
